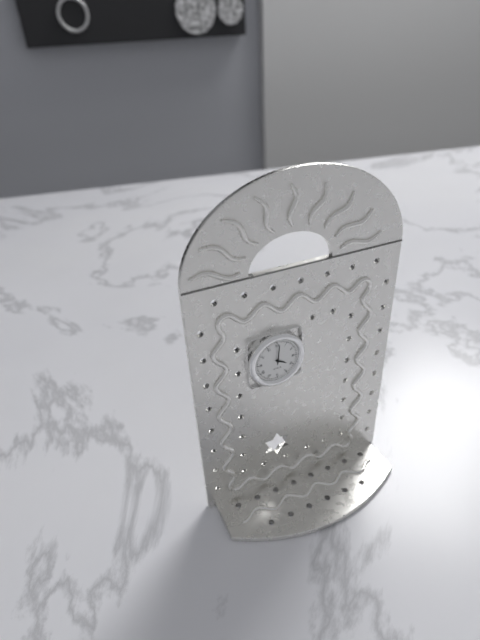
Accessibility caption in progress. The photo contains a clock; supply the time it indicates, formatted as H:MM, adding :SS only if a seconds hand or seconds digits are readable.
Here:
4:01
